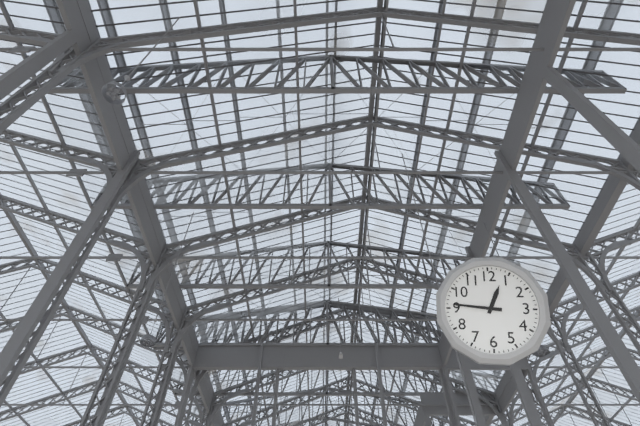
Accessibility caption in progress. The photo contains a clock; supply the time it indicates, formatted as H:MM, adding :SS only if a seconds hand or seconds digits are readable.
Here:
12:46
